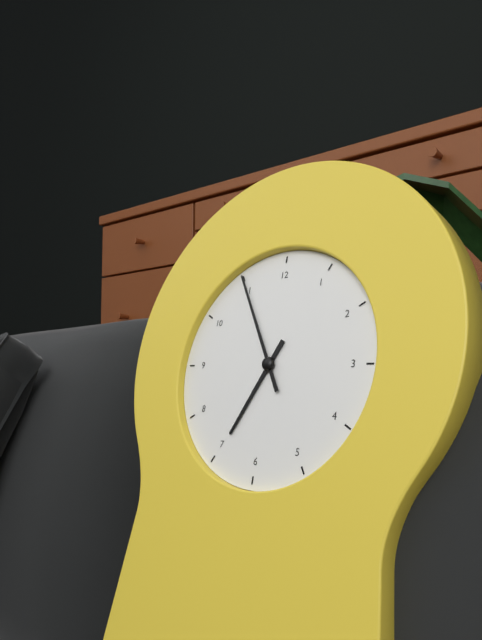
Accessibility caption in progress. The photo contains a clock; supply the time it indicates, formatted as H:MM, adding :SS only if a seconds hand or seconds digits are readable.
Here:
6:55
